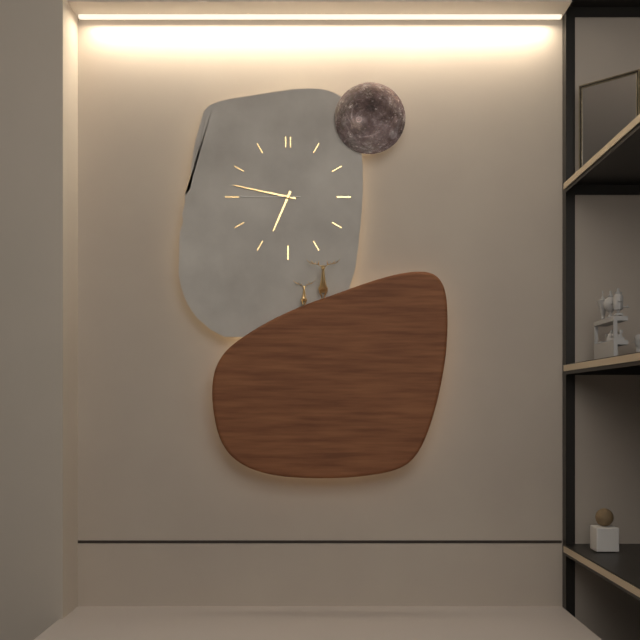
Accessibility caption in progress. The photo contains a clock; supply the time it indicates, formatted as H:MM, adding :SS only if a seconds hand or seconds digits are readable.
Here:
6:47:45
